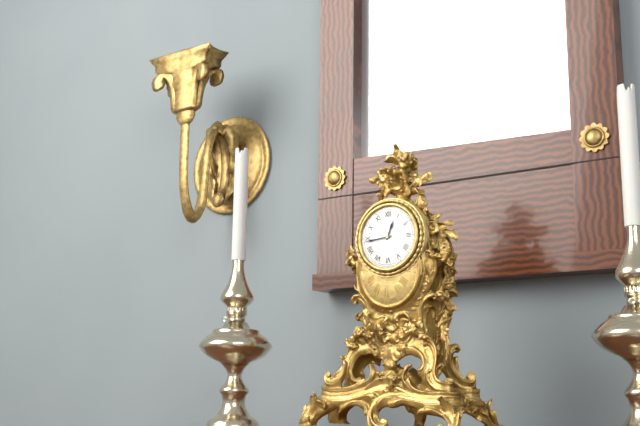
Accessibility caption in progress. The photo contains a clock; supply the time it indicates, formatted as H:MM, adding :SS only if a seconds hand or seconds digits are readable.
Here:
12:44
